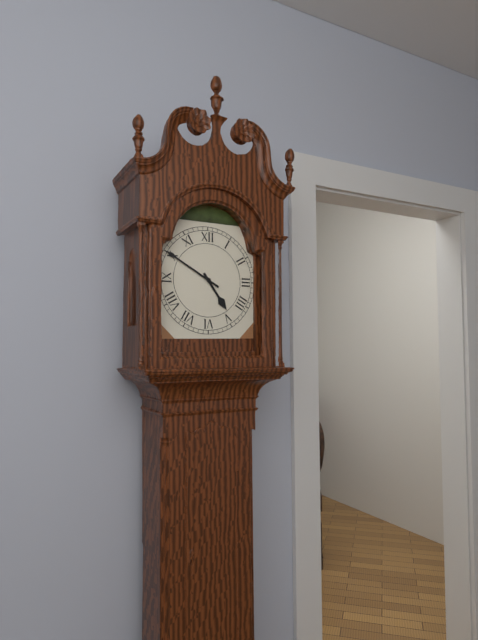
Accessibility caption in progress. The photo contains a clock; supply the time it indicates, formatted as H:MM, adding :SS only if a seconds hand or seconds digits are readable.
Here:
4:50
